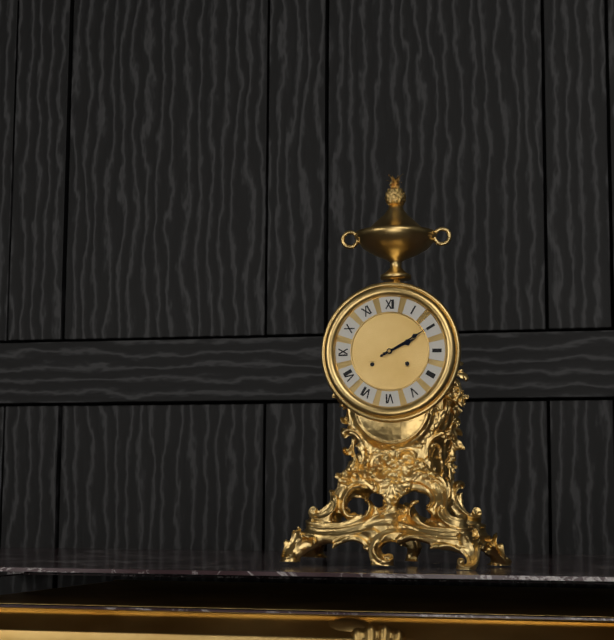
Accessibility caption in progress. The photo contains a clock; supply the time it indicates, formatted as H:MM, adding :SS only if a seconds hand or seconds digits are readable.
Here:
2:10
